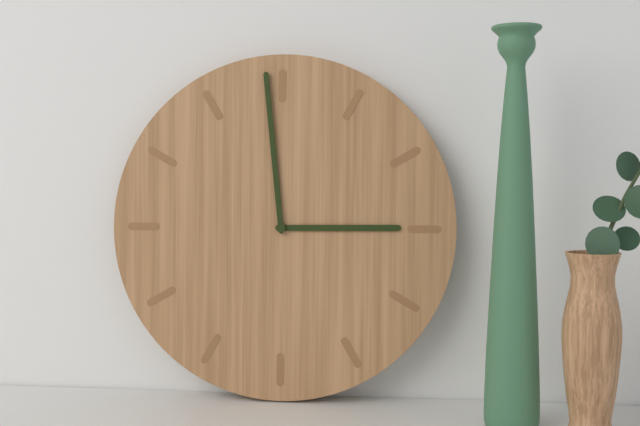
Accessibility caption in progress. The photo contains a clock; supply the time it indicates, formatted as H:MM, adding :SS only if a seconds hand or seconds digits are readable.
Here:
2:59
